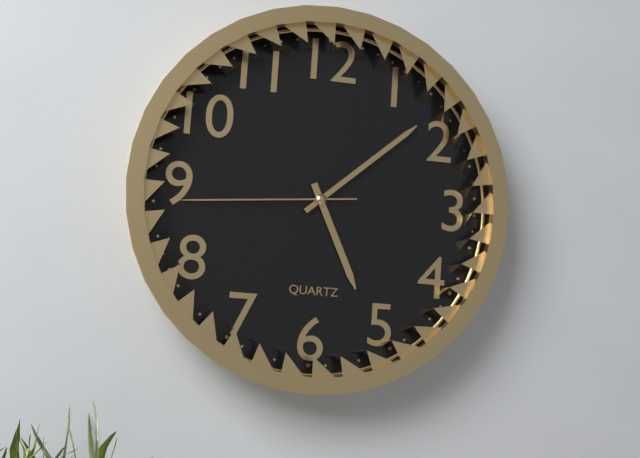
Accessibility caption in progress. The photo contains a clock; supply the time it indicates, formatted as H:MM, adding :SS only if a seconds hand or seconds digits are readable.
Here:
5:08:44
